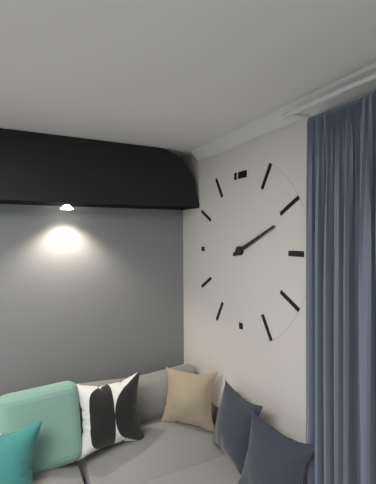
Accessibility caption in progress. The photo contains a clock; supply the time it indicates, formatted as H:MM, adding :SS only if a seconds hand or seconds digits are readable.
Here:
2:11
